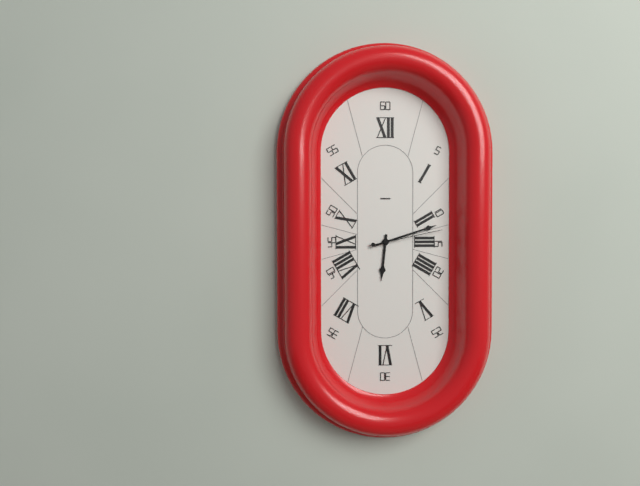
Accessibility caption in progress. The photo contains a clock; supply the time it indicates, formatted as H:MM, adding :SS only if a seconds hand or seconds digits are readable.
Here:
6:12:13
